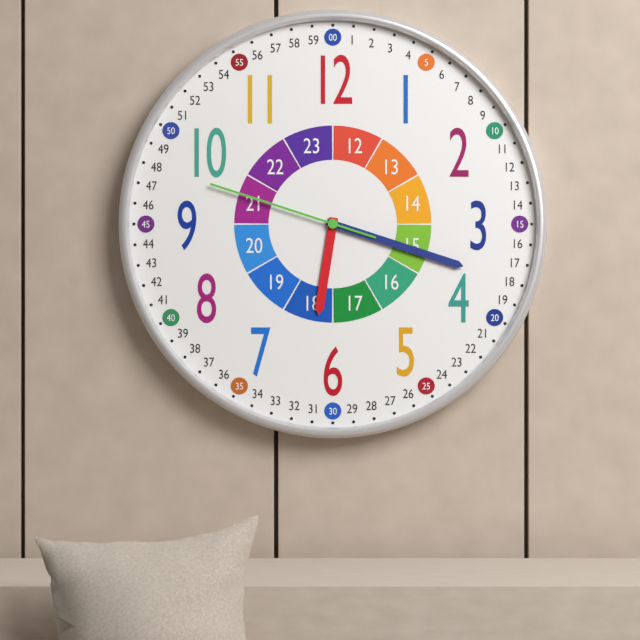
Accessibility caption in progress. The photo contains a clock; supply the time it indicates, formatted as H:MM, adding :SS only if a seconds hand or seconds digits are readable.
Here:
6:18:48
